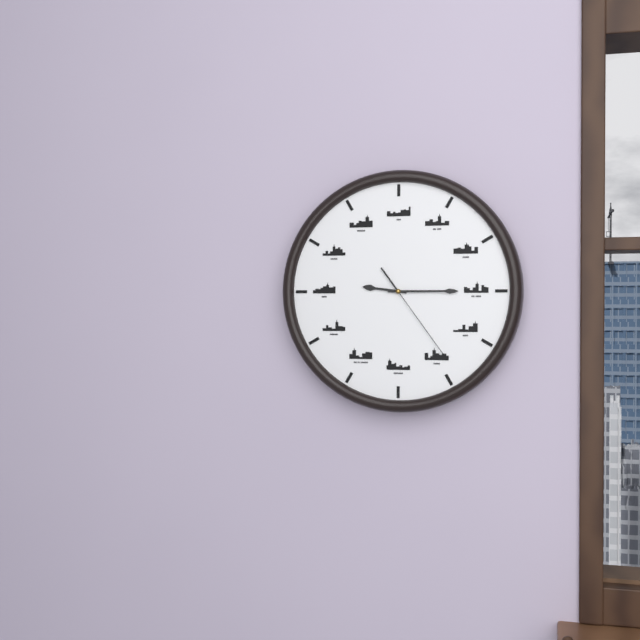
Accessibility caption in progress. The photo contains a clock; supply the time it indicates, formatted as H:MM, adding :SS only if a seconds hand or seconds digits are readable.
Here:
9:15:24
